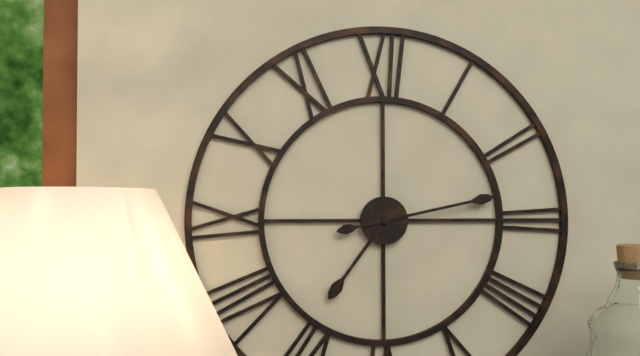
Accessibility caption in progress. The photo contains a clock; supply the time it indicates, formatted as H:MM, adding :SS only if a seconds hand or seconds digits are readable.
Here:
7:13
